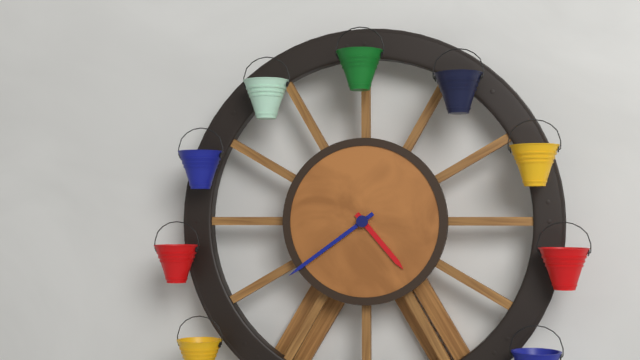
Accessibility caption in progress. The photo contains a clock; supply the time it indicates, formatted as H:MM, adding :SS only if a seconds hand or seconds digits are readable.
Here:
4:39
